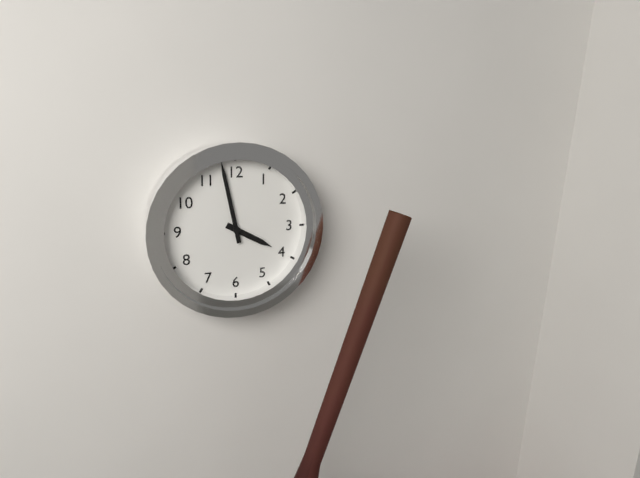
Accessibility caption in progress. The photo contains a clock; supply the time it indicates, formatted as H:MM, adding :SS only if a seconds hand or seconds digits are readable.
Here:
3:58
